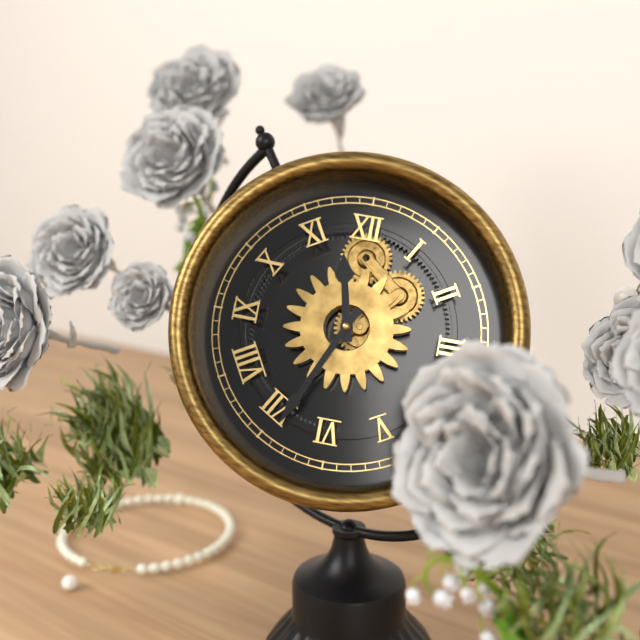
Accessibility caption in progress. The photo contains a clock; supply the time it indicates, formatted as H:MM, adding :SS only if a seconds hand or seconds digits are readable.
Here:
11:34
